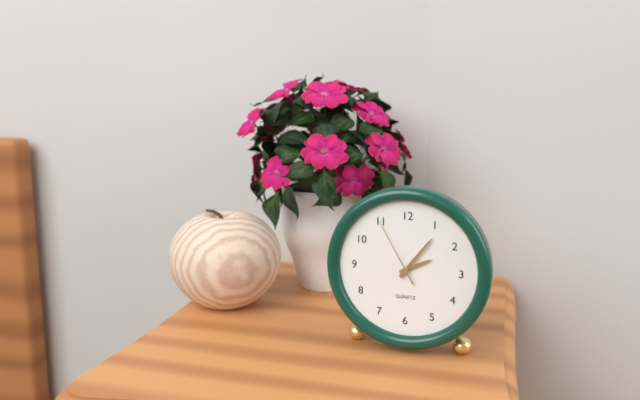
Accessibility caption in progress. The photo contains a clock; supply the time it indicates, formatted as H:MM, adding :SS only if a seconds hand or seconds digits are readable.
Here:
2:06:55
